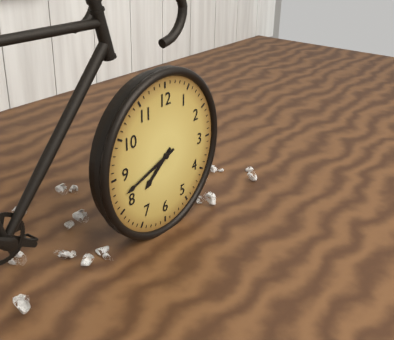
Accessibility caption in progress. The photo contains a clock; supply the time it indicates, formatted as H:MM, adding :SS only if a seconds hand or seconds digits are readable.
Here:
7:42
